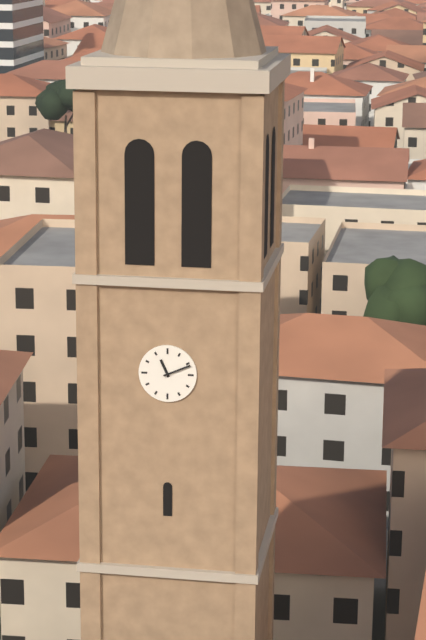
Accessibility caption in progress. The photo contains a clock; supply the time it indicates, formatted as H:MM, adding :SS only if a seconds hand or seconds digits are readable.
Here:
11:11
